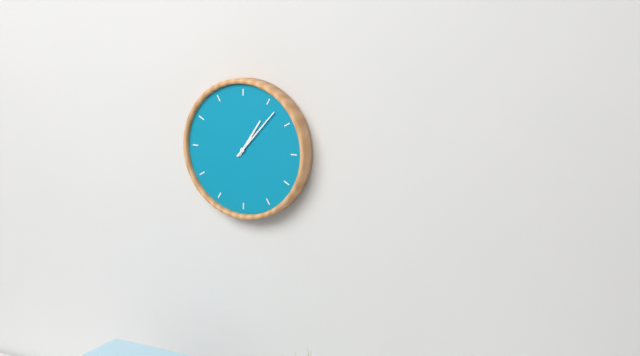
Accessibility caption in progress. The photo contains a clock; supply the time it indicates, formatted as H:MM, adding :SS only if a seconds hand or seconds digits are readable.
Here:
1:07
